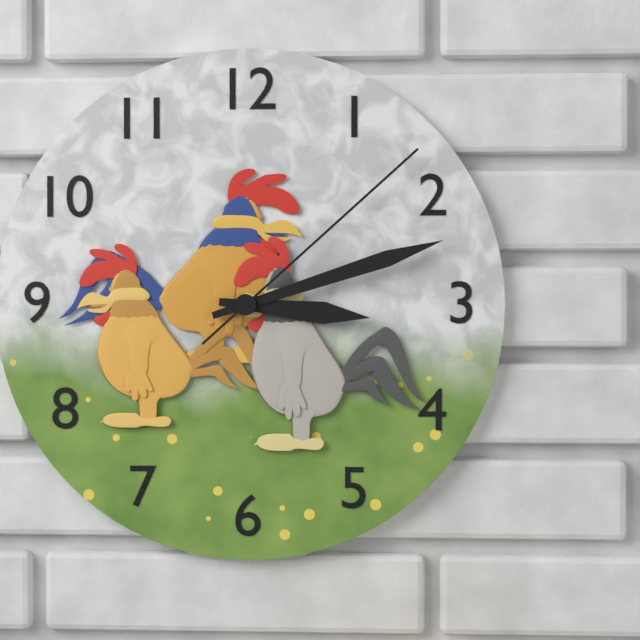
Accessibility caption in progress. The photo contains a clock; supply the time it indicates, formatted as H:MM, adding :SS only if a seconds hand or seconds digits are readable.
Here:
3:12:08
